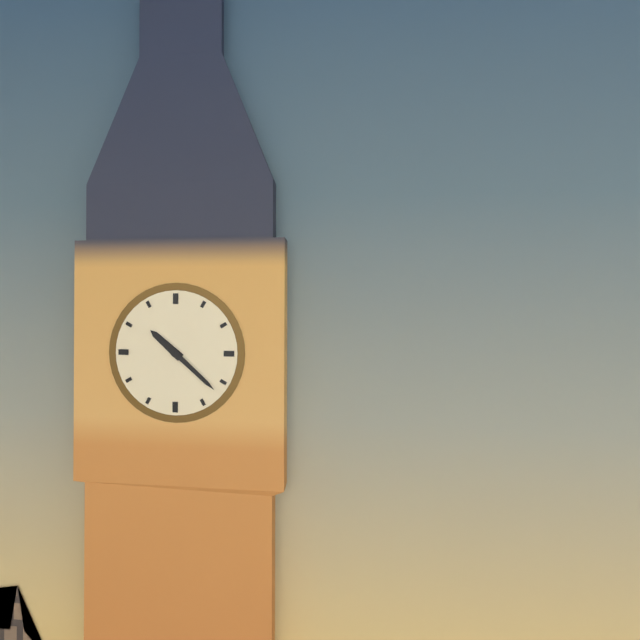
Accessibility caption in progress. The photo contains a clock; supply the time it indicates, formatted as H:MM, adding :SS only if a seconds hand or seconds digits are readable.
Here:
10:22
